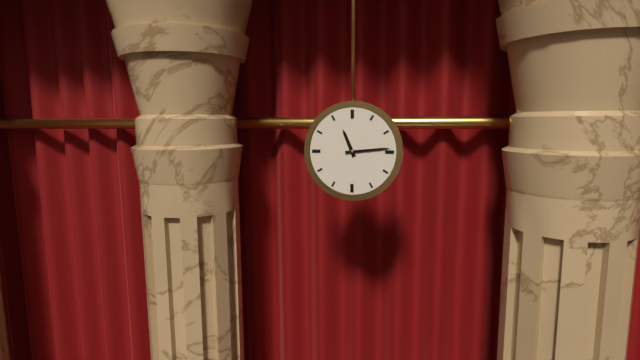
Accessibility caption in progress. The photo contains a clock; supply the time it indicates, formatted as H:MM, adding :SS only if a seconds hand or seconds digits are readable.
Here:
11:14
